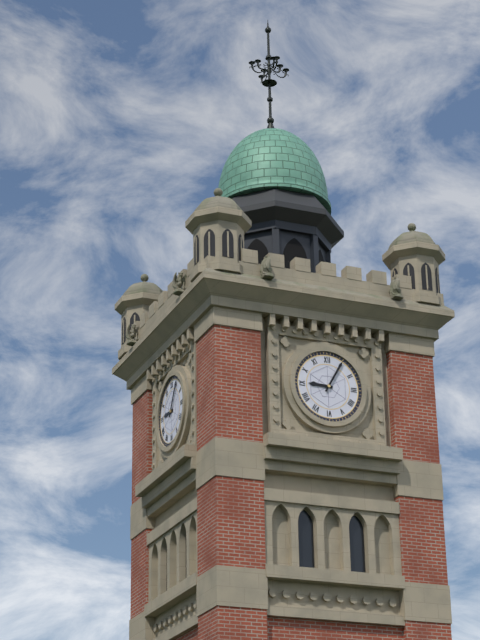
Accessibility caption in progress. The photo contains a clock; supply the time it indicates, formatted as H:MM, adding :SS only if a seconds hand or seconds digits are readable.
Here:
9:05
